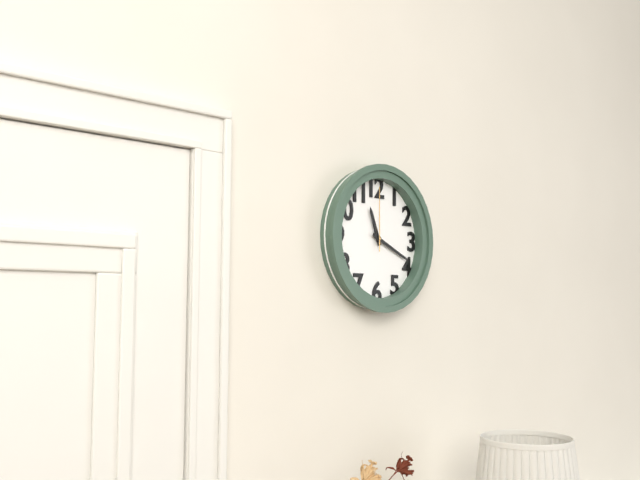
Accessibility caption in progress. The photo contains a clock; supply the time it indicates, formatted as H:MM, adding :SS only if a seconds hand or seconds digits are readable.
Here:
11:19:00
